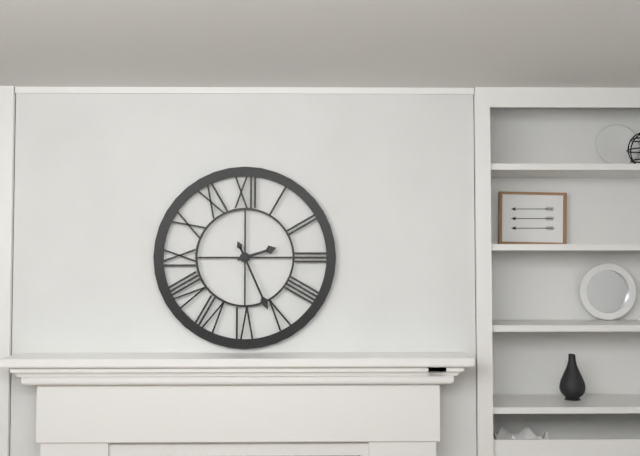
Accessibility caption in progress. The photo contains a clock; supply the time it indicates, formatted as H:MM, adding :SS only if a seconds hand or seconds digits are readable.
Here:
2:26
